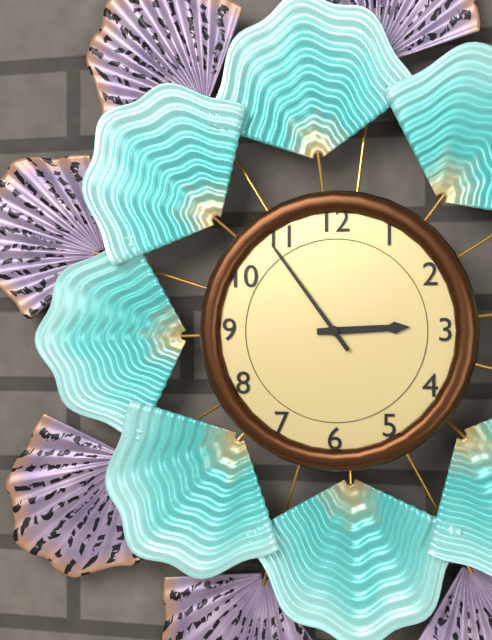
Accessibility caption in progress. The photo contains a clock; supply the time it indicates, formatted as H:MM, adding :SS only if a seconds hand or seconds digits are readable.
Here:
2:54
